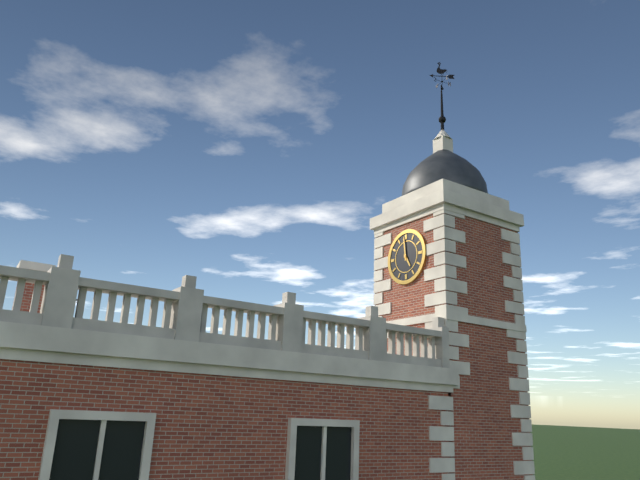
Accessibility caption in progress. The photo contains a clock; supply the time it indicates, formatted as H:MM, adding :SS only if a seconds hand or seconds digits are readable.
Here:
4:59
